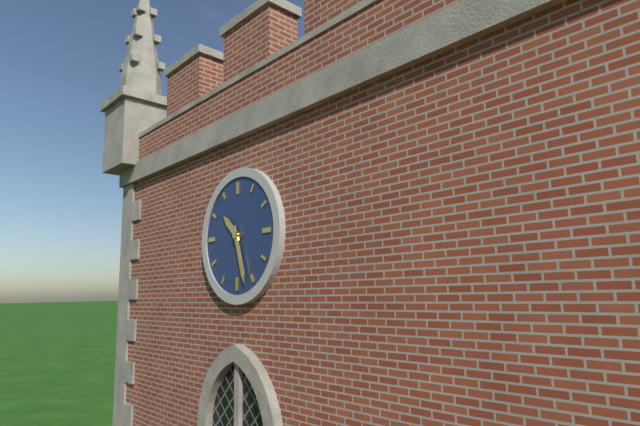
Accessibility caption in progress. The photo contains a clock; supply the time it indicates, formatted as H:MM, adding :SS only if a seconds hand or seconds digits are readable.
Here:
10:27
